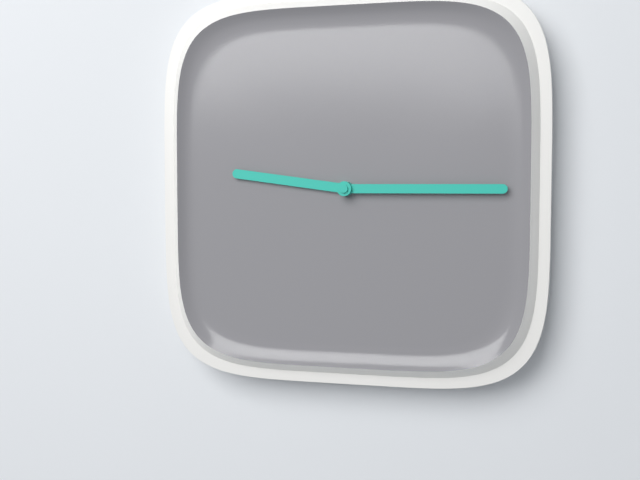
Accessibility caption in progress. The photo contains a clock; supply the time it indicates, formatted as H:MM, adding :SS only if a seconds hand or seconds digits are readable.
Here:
9:15
